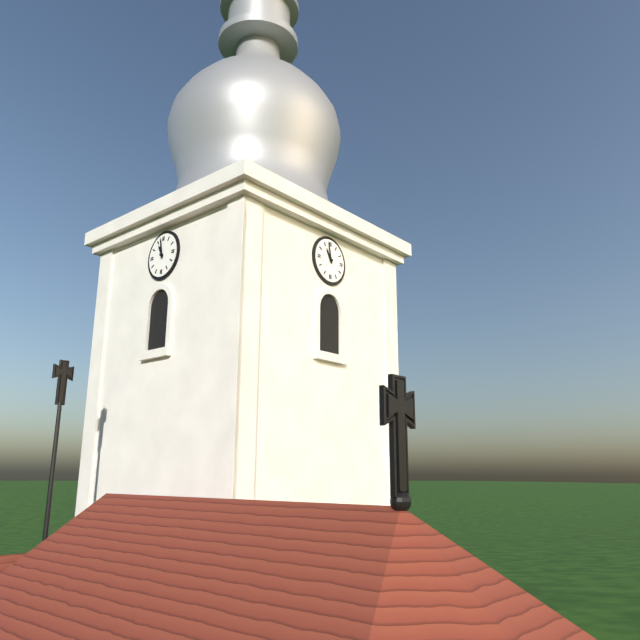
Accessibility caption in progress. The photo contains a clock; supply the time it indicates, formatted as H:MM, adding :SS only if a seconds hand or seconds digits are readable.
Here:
10:58
